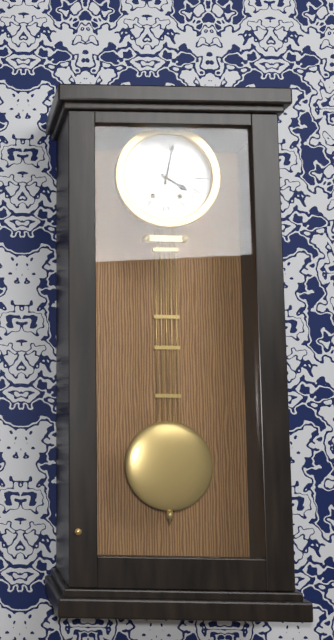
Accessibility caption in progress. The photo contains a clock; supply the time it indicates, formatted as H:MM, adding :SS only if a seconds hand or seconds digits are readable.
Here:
4:02
